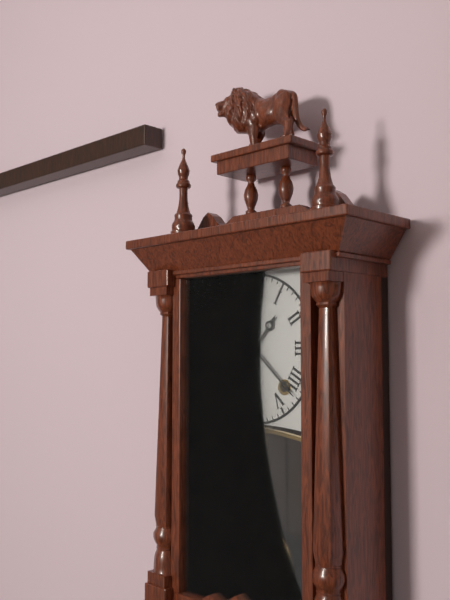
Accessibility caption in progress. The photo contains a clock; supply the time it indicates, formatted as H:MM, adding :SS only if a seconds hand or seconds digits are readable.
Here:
1:22
